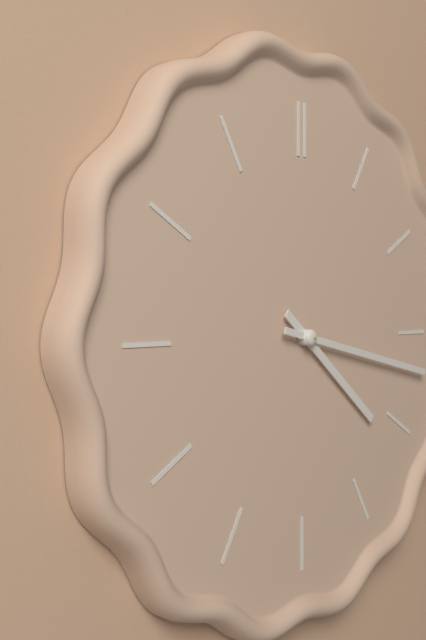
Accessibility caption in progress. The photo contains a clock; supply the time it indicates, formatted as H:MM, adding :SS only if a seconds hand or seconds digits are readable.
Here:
4:17
